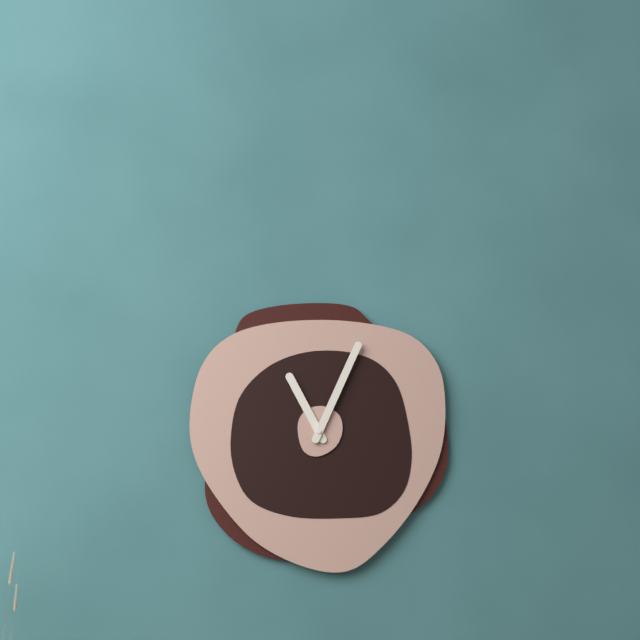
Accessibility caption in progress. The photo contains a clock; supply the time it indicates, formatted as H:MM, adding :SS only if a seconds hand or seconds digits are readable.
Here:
11:04
